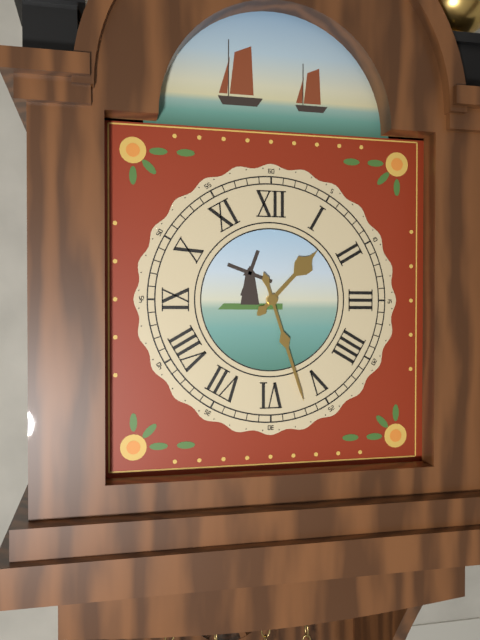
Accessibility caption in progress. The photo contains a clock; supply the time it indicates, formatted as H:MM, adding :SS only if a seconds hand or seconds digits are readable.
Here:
1:27
